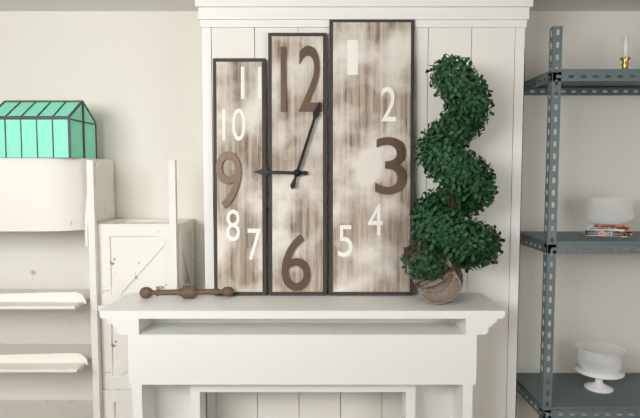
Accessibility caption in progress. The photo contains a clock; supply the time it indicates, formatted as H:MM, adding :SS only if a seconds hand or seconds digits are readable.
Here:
9:03
